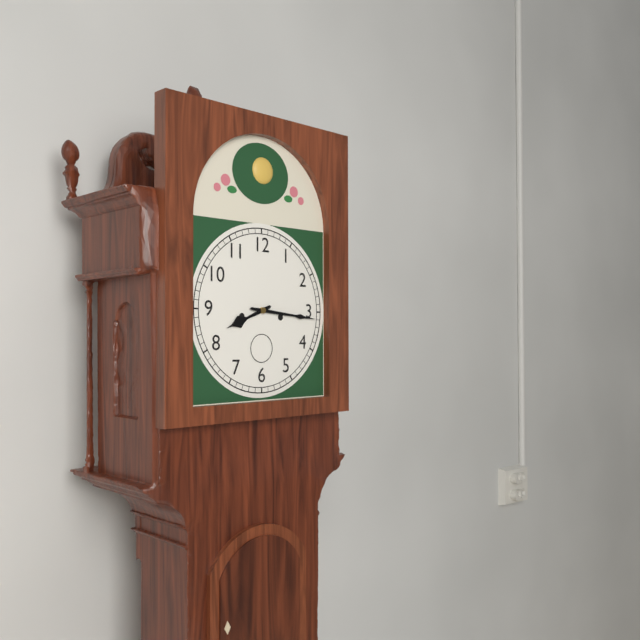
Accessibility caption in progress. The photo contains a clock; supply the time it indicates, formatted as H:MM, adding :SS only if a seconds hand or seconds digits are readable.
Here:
8:16
